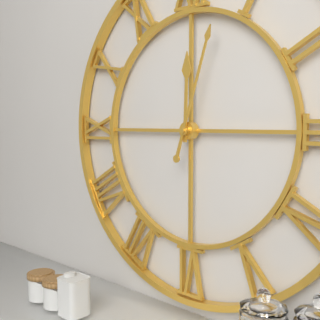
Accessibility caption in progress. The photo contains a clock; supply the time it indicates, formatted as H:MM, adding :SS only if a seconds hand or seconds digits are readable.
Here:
12:03
